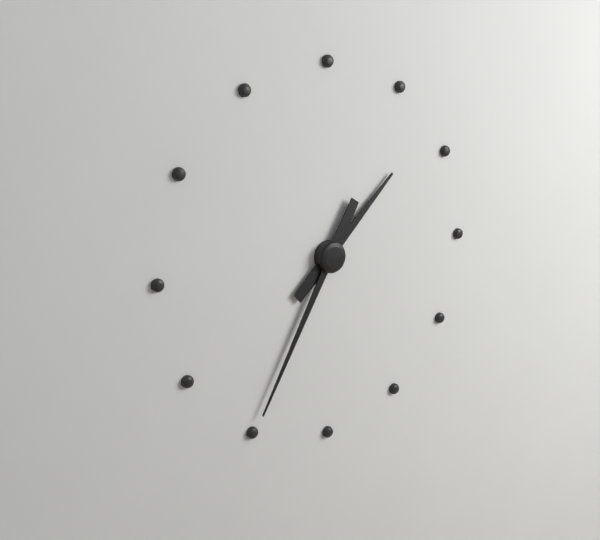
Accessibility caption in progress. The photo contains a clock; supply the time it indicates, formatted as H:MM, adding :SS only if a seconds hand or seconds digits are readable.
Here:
1:35
